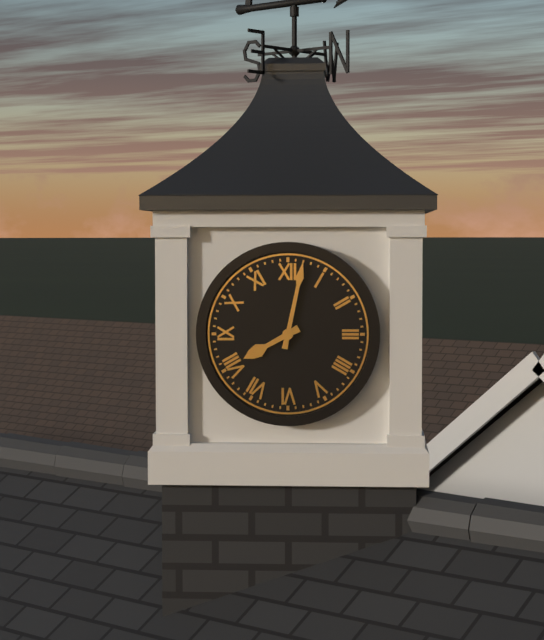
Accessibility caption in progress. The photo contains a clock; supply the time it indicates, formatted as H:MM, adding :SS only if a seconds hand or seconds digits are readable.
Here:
8:02
